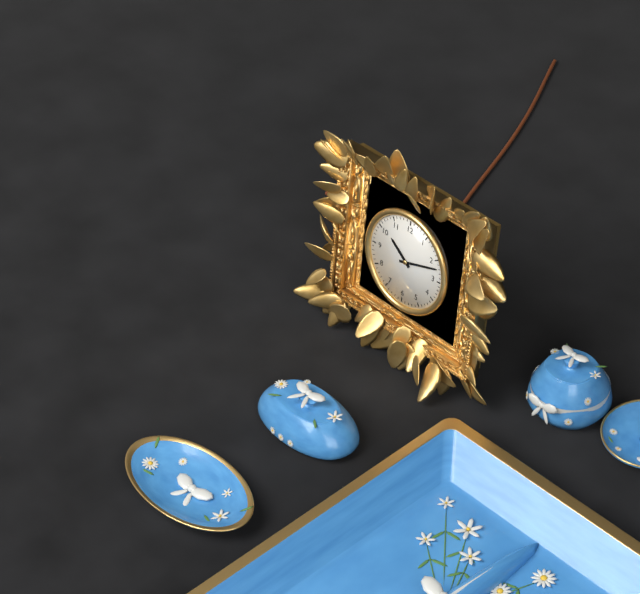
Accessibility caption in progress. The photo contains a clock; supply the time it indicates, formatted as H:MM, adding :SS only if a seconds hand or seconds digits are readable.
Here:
10:12
